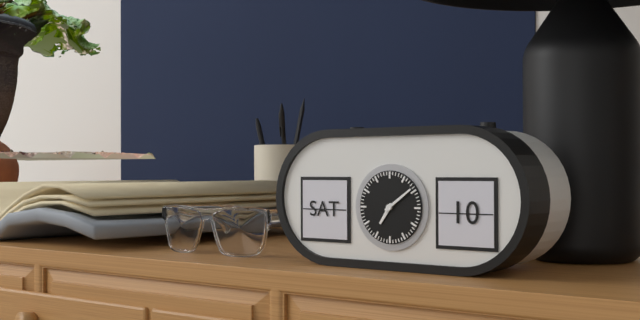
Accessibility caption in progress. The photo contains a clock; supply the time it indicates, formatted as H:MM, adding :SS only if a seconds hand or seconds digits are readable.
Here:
7:09
